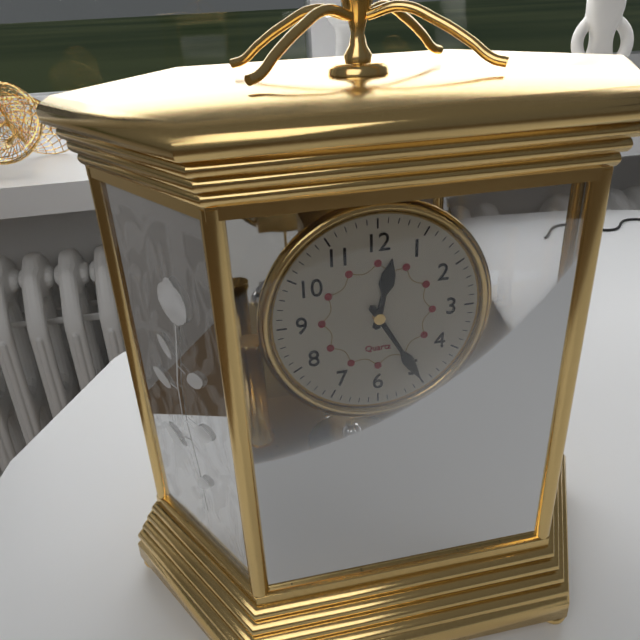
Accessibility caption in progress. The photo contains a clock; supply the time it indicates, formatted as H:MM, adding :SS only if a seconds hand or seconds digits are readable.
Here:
12:25
